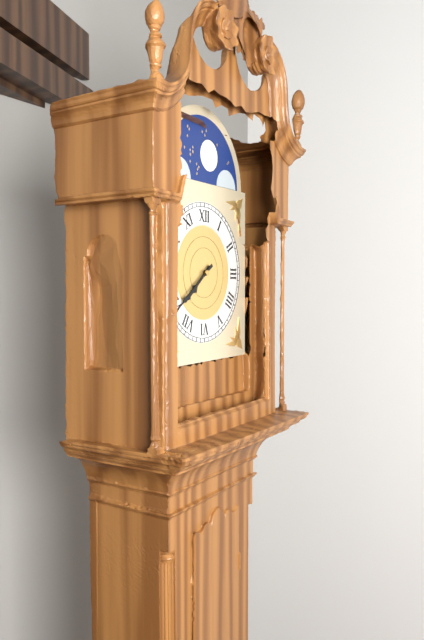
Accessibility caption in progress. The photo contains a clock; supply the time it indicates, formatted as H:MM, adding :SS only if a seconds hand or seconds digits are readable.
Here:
7:39
